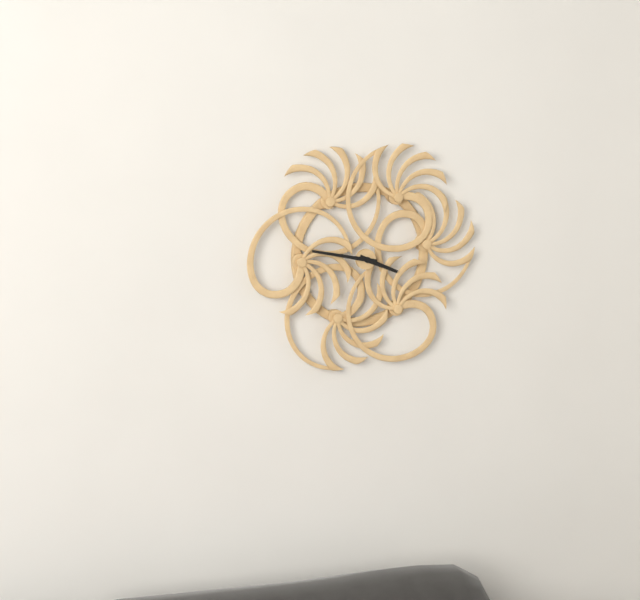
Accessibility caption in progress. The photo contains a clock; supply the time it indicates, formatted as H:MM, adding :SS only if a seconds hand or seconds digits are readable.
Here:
3:47
